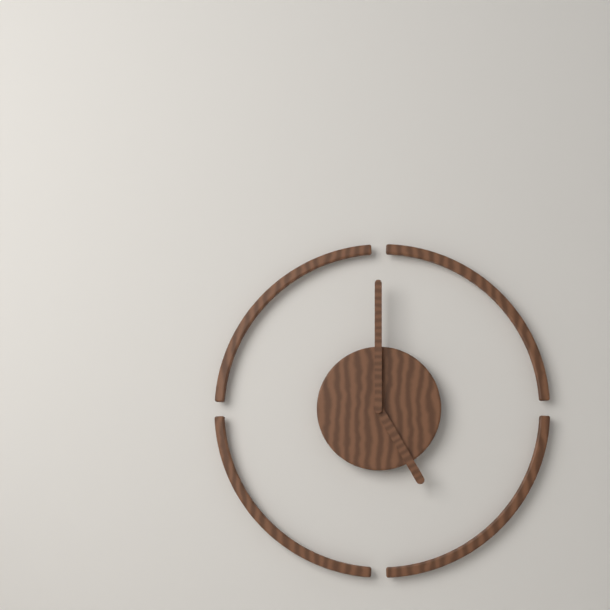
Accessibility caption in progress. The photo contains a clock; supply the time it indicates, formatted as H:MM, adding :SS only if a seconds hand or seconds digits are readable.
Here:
5:00
